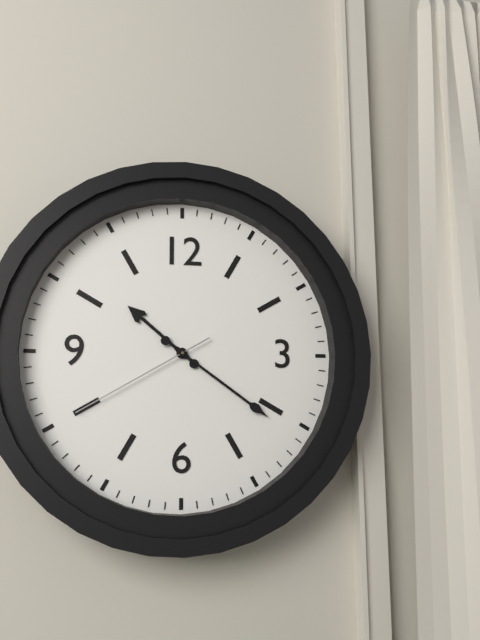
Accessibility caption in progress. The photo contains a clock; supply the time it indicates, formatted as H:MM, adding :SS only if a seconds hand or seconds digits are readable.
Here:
10:21:40
